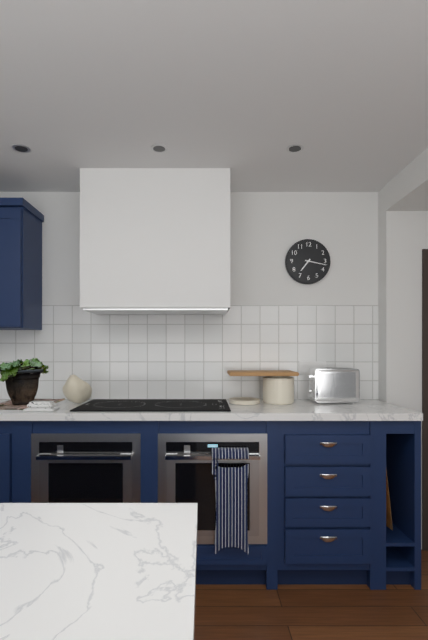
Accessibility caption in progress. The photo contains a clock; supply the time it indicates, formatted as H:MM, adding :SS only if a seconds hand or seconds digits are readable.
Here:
7:17
